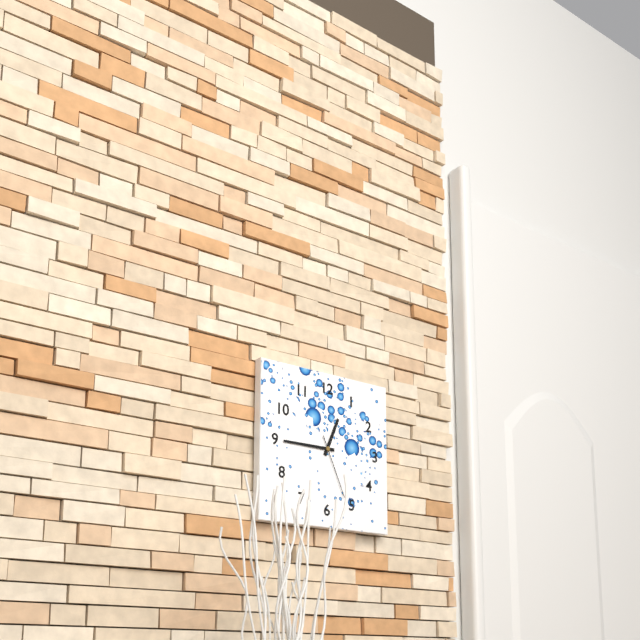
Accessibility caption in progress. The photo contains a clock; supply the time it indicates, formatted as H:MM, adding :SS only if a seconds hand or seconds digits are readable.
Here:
12:45:26
